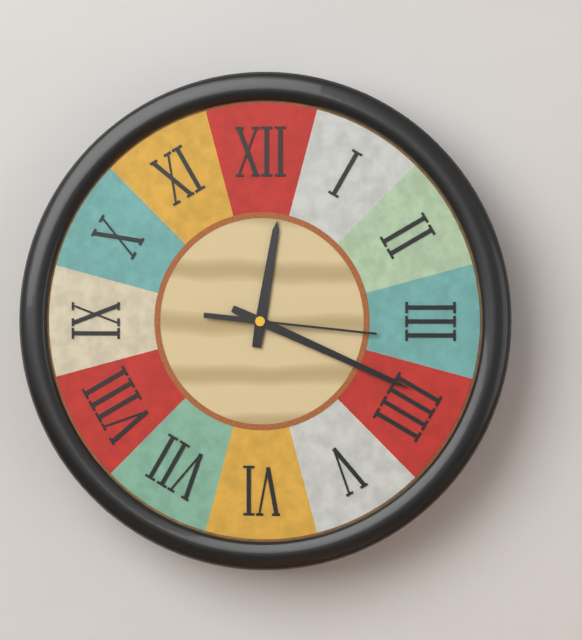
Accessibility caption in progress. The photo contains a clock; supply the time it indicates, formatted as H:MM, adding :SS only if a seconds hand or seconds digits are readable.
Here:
12:19:16
